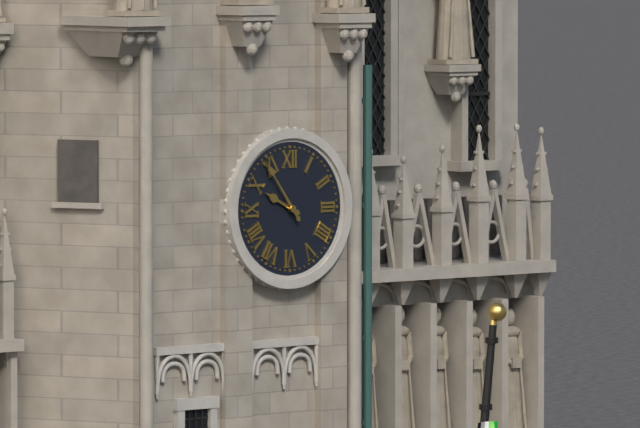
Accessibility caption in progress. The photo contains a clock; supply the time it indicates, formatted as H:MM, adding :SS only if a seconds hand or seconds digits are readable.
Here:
9:54
